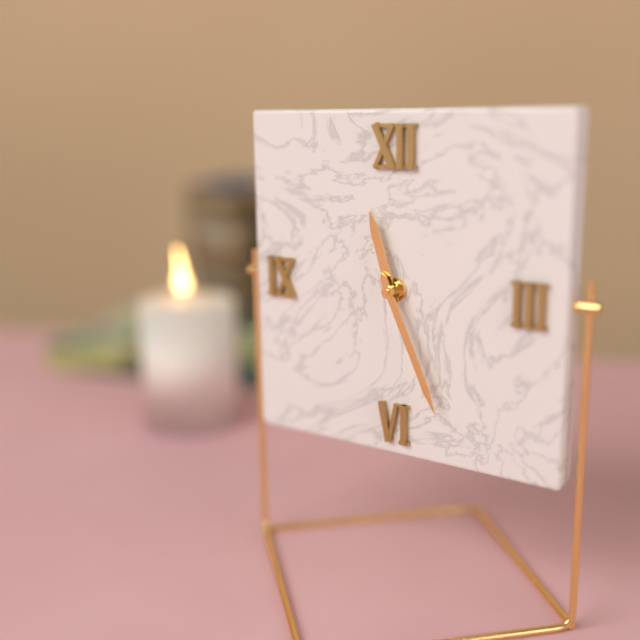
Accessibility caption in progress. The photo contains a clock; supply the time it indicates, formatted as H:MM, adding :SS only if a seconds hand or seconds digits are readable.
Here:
11:26
